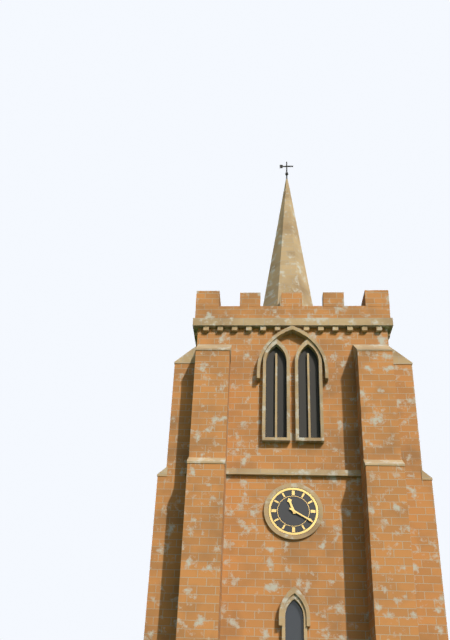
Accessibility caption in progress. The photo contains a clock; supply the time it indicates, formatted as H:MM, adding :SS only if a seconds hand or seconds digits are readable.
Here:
11:20
